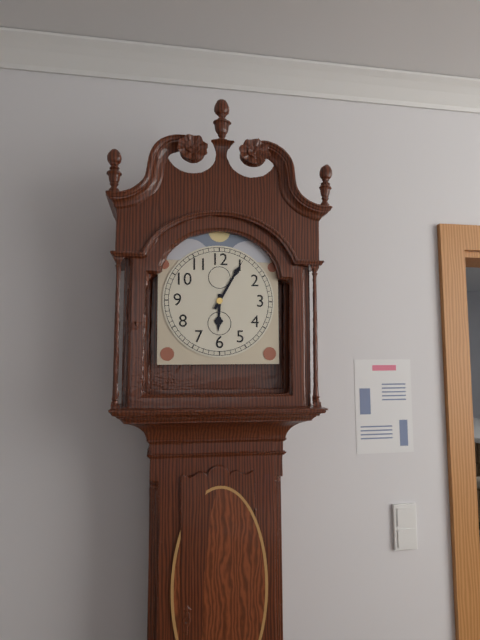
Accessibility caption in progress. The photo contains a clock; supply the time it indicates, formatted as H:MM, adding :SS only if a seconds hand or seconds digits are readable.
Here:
6:05
